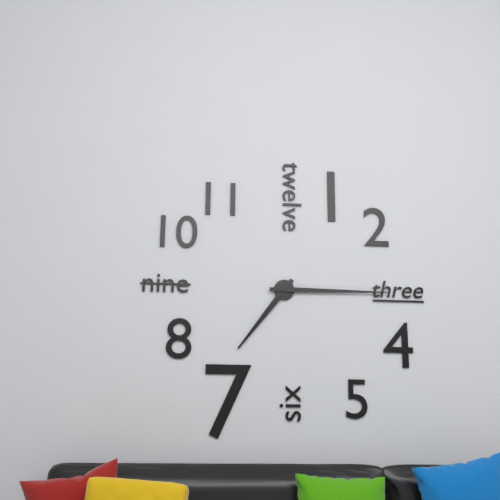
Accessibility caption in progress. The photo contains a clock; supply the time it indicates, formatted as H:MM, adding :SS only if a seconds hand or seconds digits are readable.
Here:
7:15
